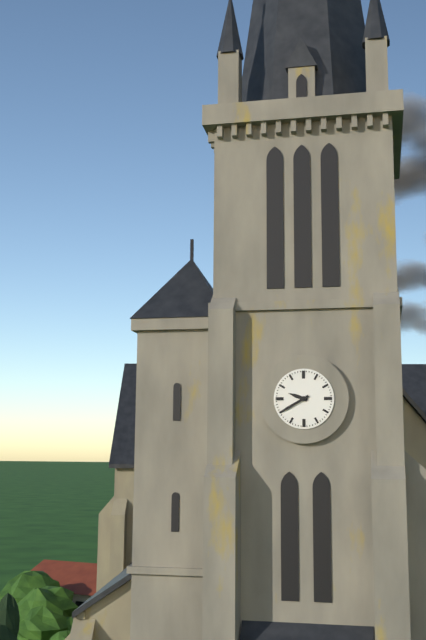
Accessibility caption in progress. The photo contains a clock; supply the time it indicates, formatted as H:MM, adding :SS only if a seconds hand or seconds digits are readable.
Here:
9:40
